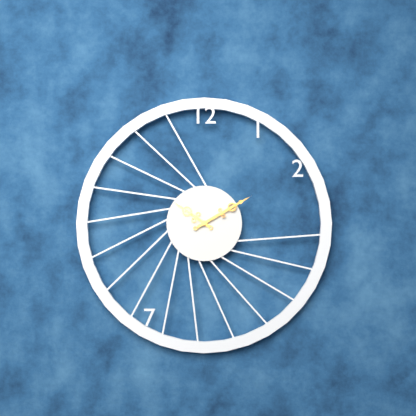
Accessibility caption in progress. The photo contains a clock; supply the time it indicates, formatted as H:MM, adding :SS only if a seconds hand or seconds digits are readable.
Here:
10:10
